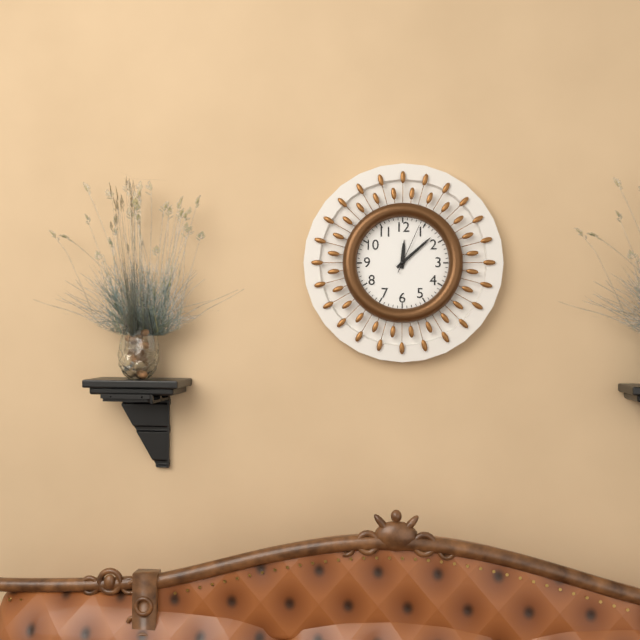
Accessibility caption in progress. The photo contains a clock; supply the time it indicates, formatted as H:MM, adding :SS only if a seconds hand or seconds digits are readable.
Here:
12:08:04
